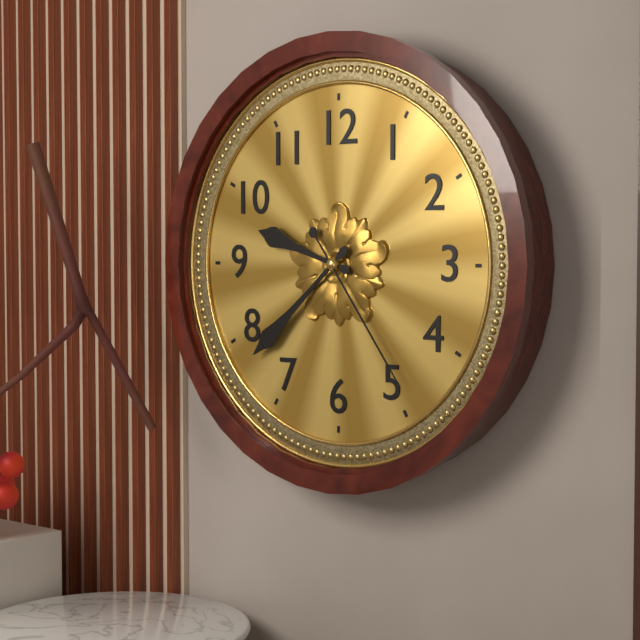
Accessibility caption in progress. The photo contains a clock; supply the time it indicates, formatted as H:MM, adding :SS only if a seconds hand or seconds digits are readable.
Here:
9:38:24
